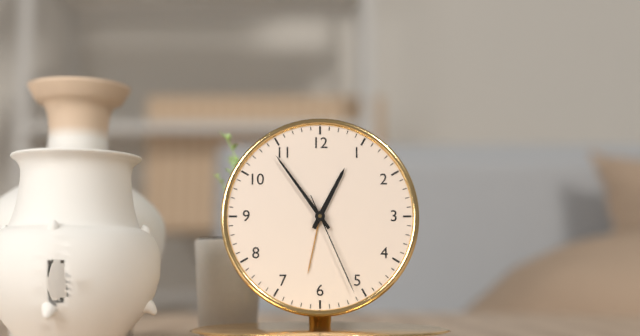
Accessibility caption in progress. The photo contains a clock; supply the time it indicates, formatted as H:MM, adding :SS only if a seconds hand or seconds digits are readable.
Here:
12:54:26
